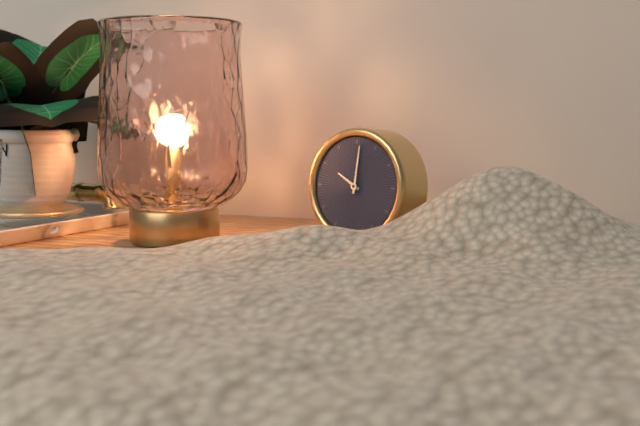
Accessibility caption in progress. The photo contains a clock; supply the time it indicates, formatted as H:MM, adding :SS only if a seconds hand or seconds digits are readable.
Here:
10:01
